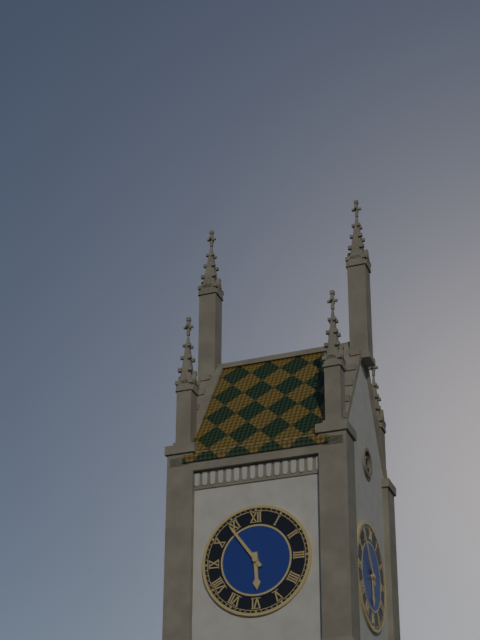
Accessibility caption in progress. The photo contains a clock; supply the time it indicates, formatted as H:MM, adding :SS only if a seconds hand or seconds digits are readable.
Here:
5:54
